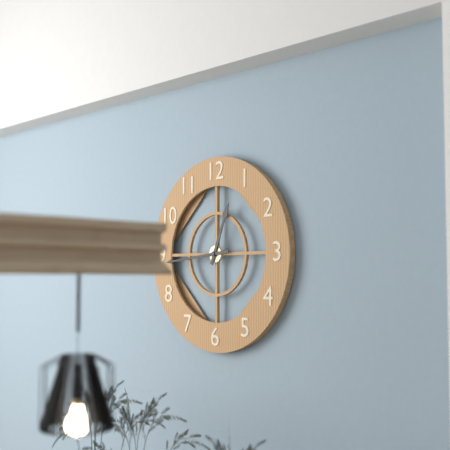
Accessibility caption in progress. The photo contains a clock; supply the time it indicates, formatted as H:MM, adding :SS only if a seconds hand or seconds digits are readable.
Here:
12:44
